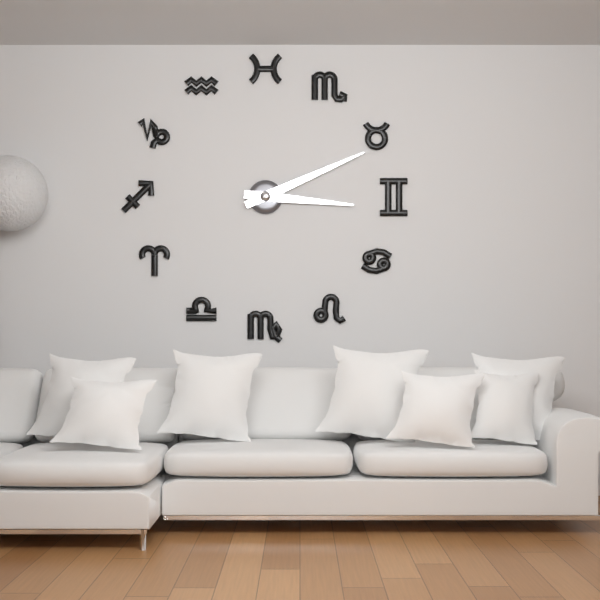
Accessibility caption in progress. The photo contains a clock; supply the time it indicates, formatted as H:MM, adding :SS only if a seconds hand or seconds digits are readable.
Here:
3:11
